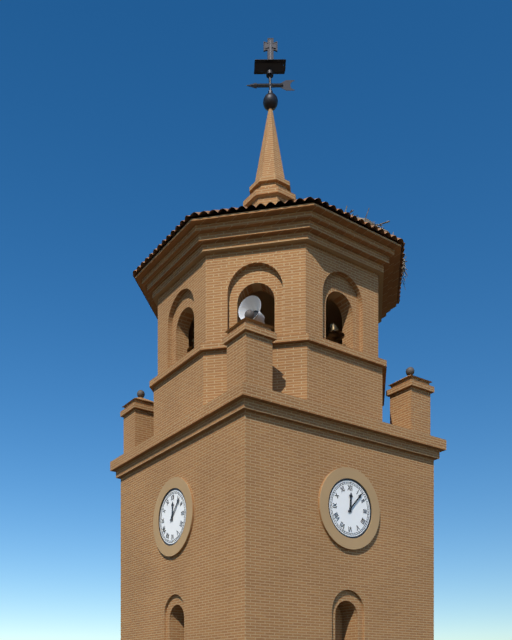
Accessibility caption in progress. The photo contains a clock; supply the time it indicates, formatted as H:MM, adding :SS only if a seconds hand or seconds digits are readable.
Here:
12:07
